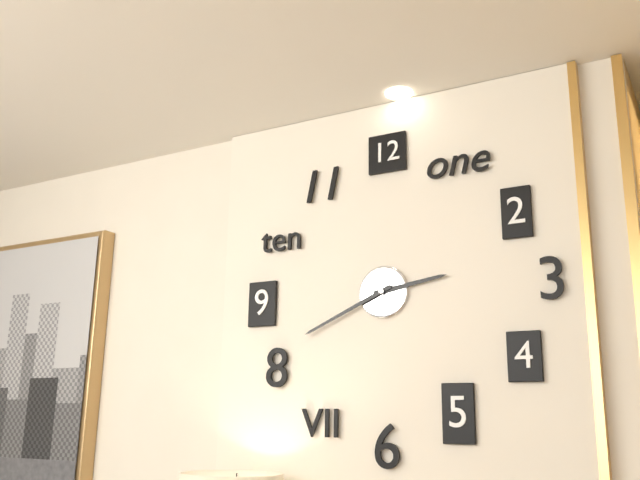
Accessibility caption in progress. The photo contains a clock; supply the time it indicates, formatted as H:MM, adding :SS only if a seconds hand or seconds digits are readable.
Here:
2:41
